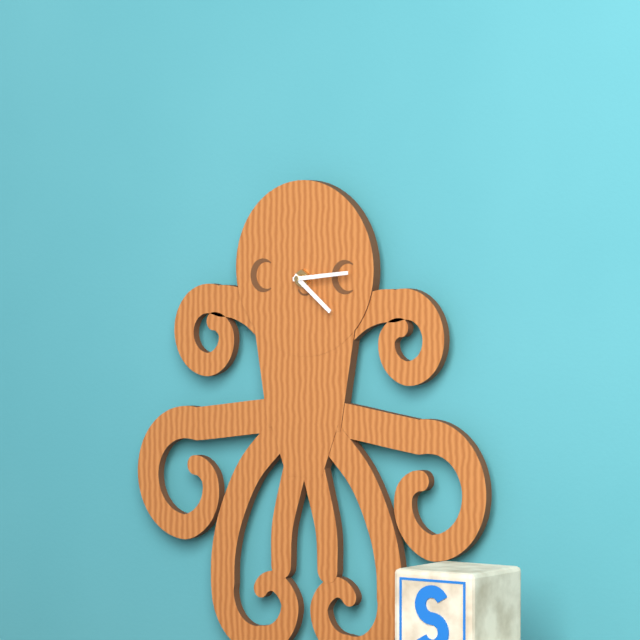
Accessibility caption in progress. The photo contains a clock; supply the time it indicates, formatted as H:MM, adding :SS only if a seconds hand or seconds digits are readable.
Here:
4:14
